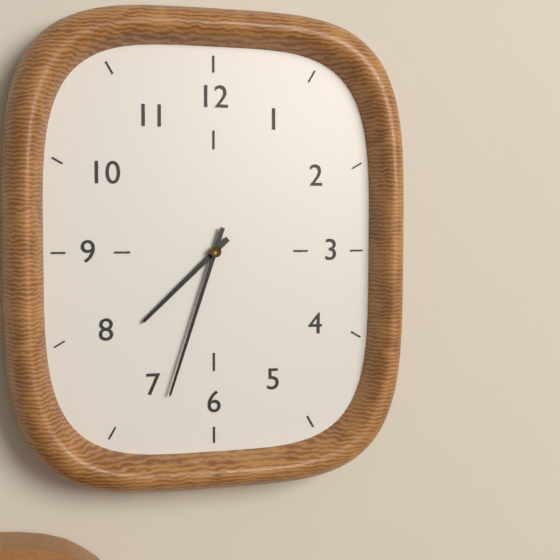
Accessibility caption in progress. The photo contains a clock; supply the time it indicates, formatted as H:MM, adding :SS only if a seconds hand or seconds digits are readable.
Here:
7:33
